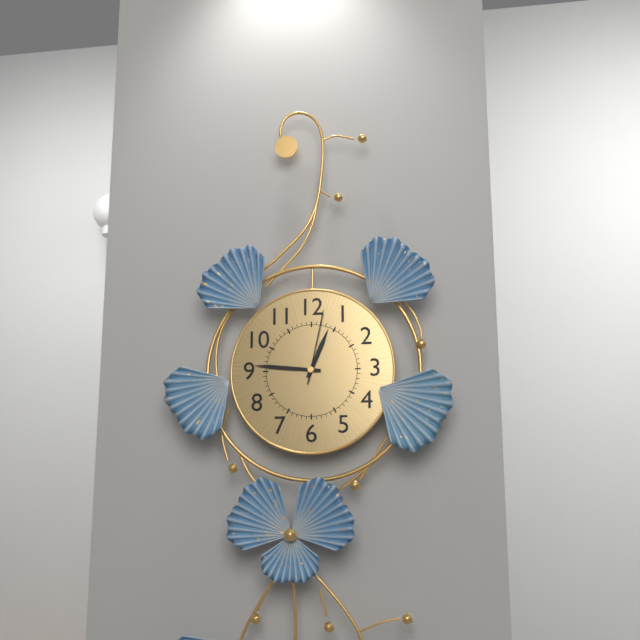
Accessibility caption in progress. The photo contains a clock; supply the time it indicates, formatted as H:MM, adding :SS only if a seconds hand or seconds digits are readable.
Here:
12:46:02
